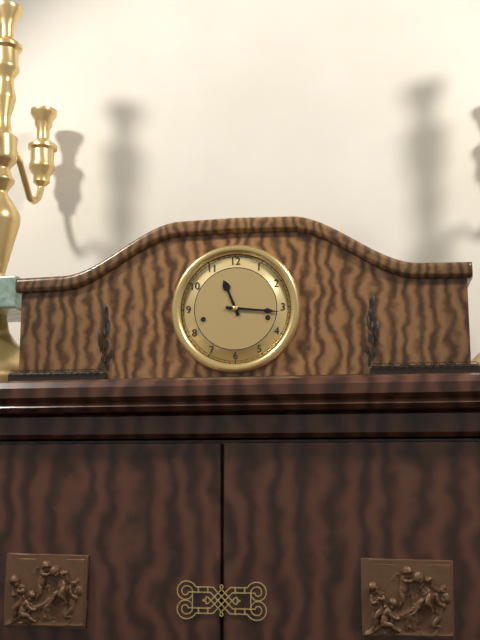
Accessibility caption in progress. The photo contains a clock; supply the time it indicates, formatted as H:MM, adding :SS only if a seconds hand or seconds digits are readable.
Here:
11:16
